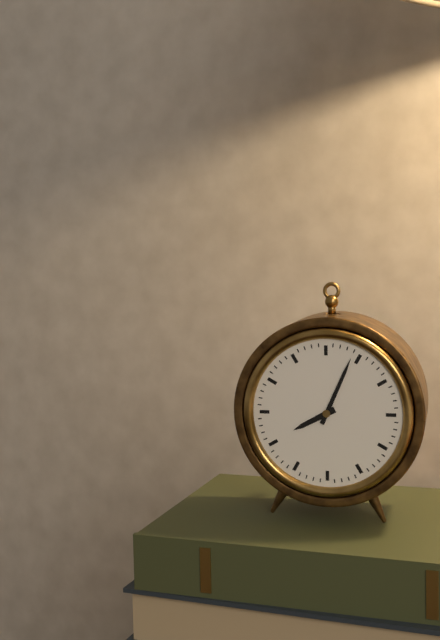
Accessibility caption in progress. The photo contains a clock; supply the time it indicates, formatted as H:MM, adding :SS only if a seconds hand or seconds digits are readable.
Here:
8:04
